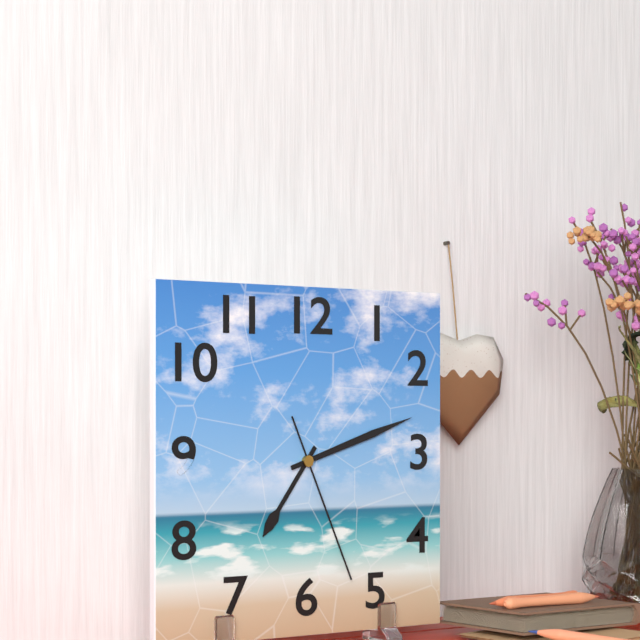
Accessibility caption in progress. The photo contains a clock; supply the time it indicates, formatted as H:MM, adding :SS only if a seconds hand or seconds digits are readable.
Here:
7:12:26
